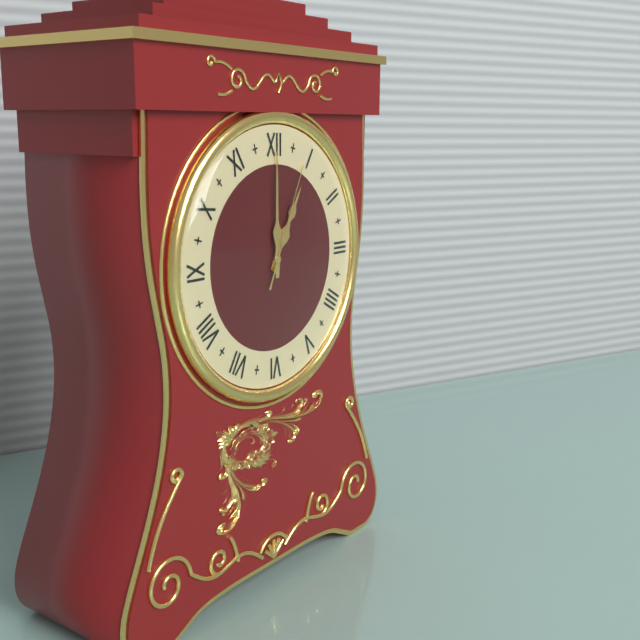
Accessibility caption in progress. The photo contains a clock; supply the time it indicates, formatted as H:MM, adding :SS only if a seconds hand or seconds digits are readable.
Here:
1:00:04
